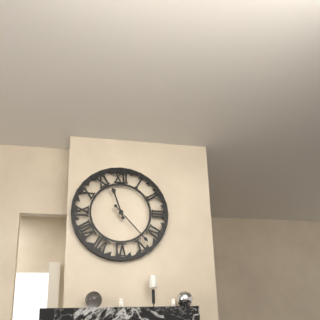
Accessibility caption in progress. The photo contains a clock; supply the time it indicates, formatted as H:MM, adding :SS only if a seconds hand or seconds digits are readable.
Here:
11:23
